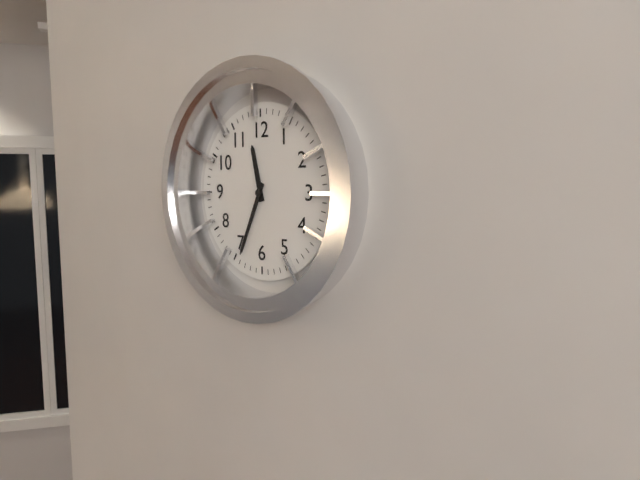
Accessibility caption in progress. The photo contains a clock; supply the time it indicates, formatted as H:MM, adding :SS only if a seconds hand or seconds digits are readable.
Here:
11:34
